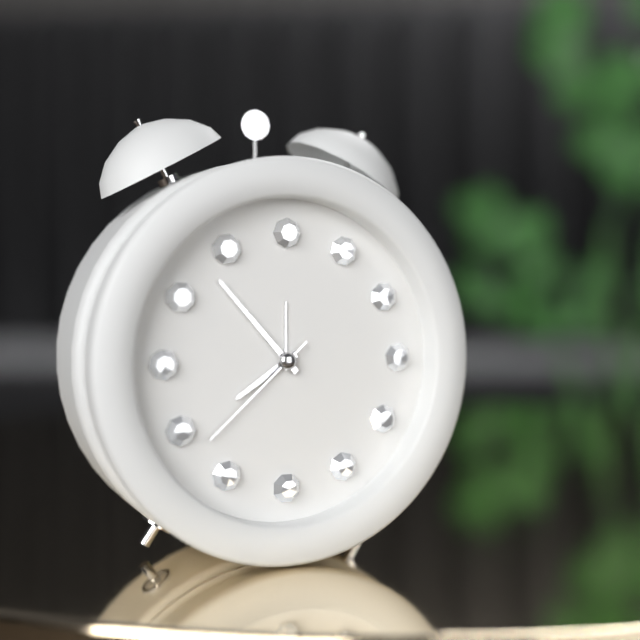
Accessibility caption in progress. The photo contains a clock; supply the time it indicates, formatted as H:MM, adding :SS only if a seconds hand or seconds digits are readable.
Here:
7:53:38
